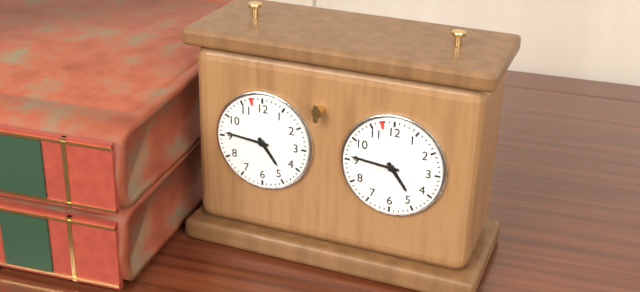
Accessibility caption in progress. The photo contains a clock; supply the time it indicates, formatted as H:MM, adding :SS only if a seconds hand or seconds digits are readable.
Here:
4:46
